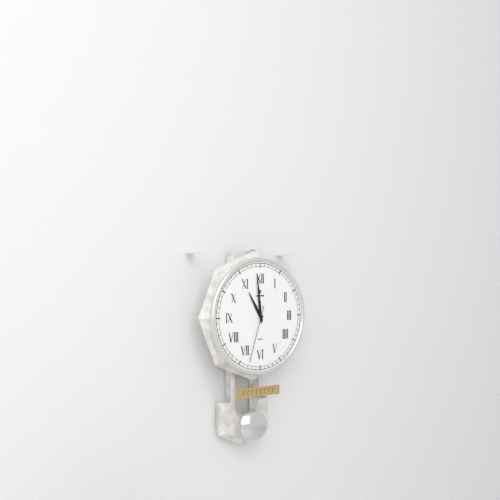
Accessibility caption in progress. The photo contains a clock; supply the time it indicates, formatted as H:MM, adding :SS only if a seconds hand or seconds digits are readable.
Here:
10:59:33
